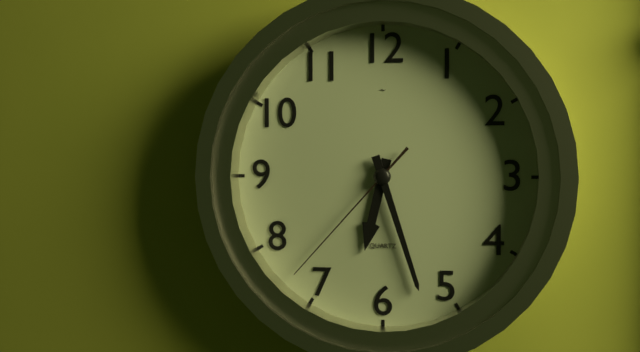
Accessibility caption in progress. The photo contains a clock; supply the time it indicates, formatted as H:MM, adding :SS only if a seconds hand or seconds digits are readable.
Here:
6:27:37
